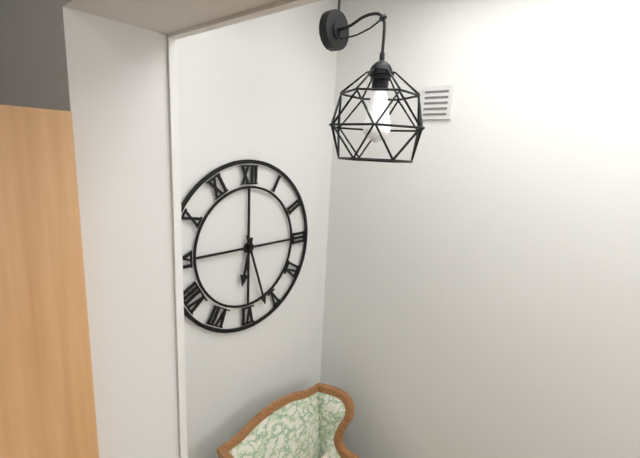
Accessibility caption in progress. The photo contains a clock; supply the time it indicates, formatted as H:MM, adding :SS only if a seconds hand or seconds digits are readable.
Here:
6:27
